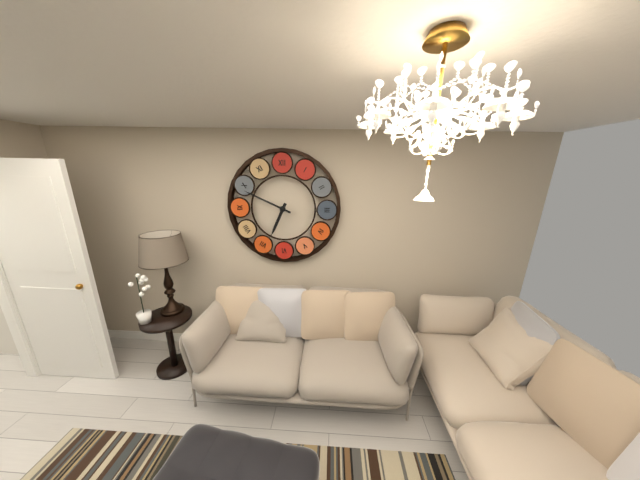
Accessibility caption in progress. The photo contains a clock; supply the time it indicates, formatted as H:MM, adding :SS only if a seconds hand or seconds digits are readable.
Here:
6:49
